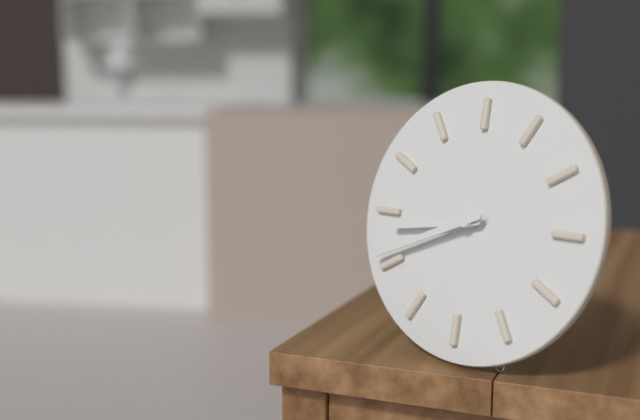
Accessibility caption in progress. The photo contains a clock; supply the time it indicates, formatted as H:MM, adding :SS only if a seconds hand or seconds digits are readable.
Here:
8:41
